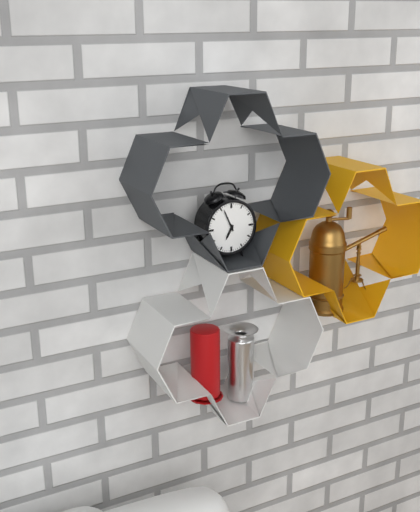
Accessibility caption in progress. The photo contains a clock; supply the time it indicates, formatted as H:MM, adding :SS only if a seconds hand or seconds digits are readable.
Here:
6:56
